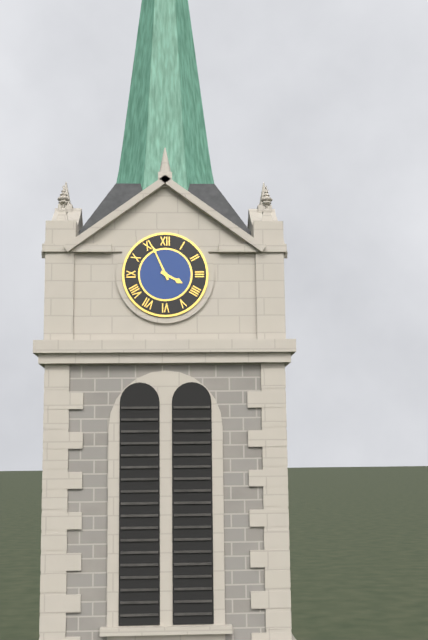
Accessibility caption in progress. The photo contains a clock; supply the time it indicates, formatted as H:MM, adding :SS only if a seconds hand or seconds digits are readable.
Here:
3:56
